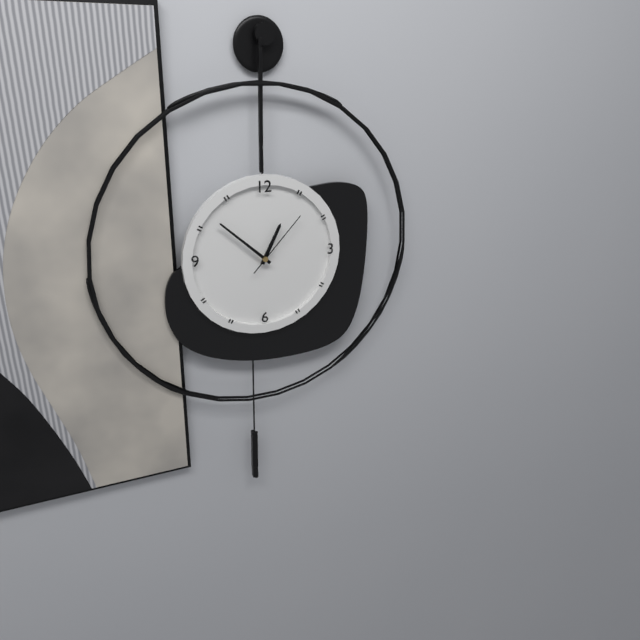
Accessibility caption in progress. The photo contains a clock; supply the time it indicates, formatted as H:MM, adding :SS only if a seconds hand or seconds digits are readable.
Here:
12:52:07
